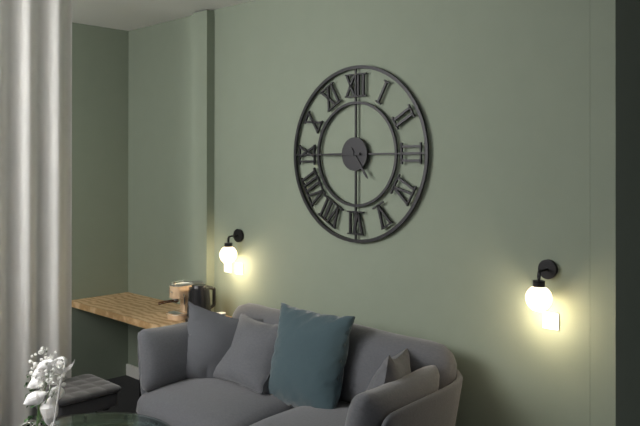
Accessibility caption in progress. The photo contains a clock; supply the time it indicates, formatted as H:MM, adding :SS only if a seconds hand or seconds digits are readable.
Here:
4:45
